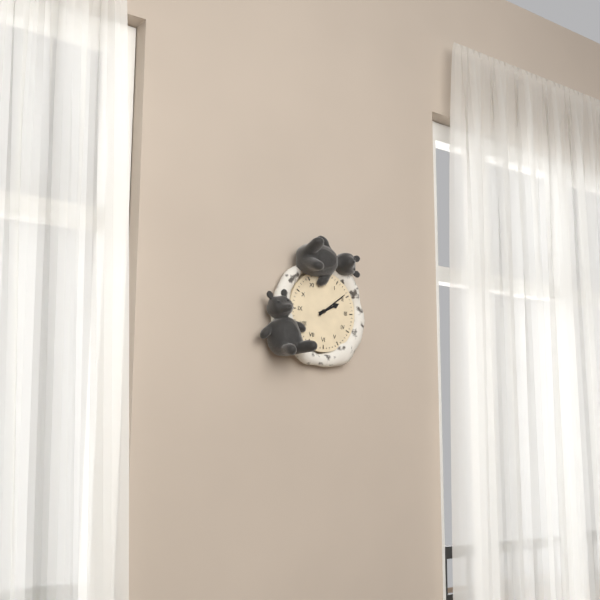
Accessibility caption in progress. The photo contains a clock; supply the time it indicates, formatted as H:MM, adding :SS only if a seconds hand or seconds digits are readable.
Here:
2:09
